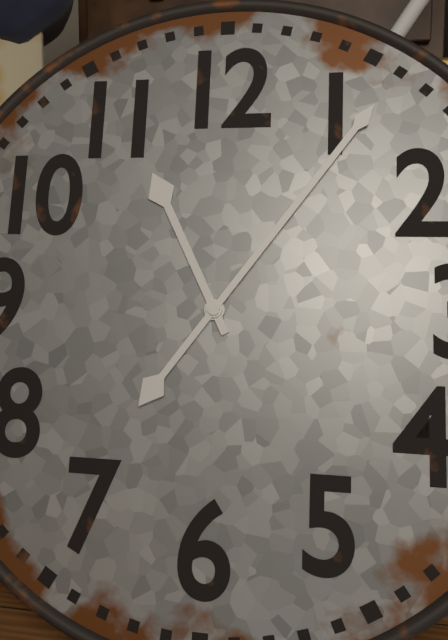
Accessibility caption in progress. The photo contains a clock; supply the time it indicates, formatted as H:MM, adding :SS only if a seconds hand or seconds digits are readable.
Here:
11:06
